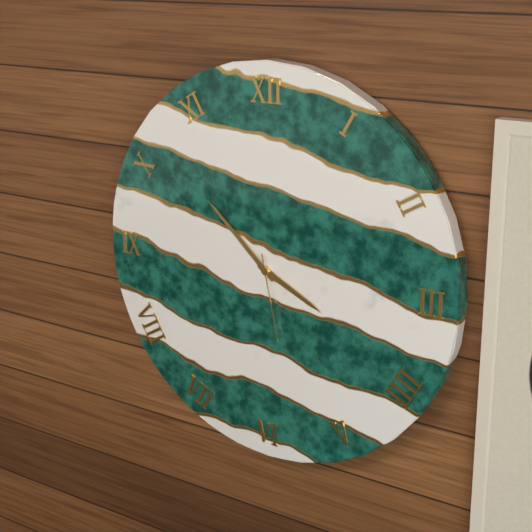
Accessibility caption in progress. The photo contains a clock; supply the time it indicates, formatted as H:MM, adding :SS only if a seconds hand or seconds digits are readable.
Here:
3:52:28
